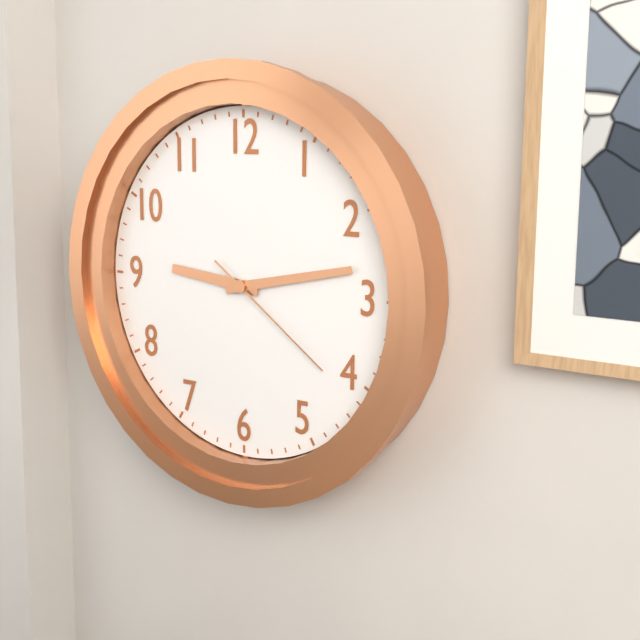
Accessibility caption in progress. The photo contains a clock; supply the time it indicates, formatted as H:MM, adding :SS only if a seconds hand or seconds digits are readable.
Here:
9:13:21
